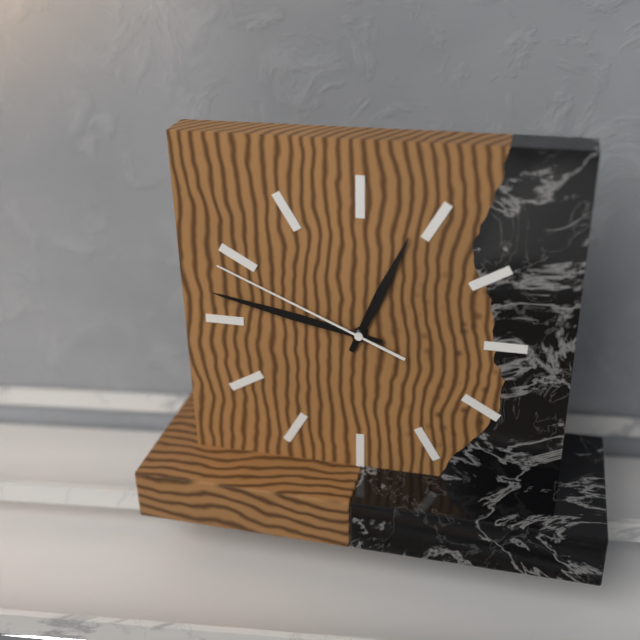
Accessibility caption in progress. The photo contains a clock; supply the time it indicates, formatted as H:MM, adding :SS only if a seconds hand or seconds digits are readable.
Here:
12:47:49
